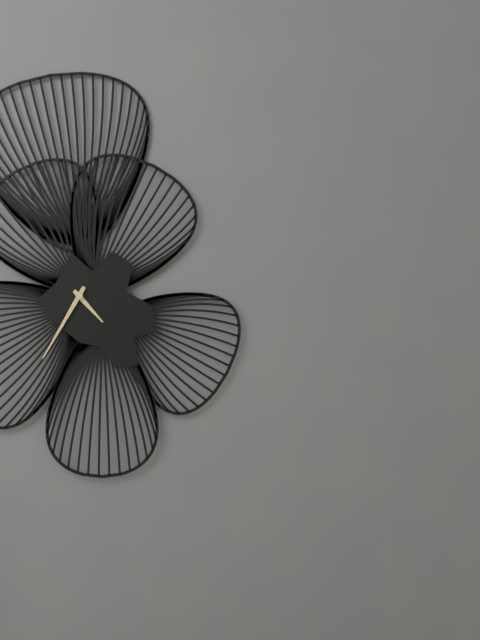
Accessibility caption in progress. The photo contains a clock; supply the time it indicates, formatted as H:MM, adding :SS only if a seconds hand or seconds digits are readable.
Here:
4:35
